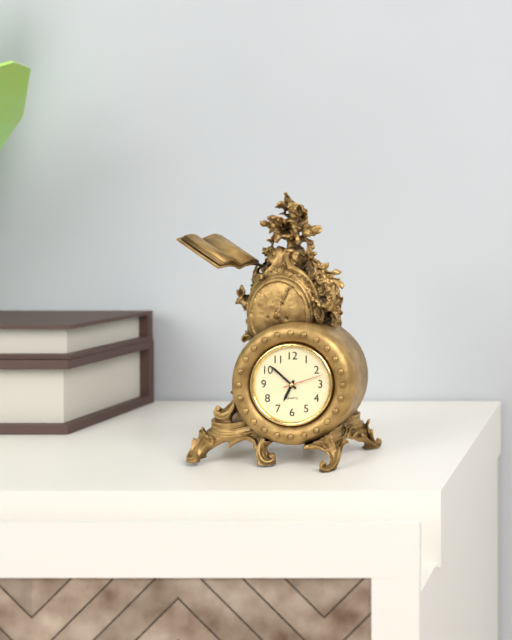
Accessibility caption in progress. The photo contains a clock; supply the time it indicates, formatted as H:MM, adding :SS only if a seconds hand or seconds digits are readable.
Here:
6:52
